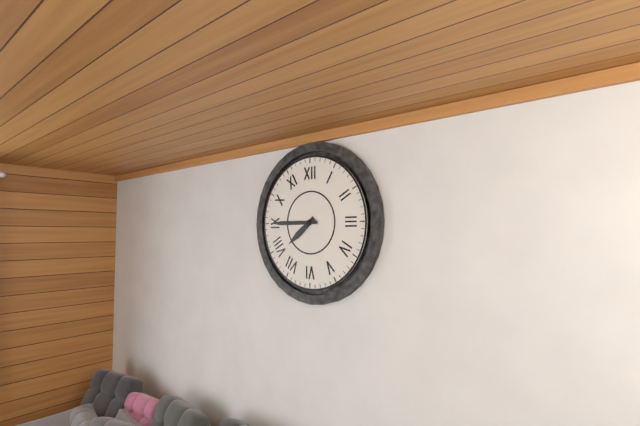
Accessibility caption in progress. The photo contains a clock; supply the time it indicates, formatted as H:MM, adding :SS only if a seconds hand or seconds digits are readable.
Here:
7:45
